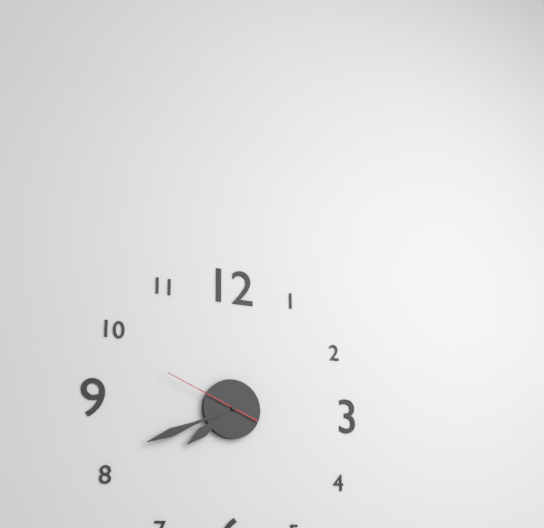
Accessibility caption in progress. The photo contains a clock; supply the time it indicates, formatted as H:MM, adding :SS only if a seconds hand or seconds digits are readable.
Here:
7:41:49
